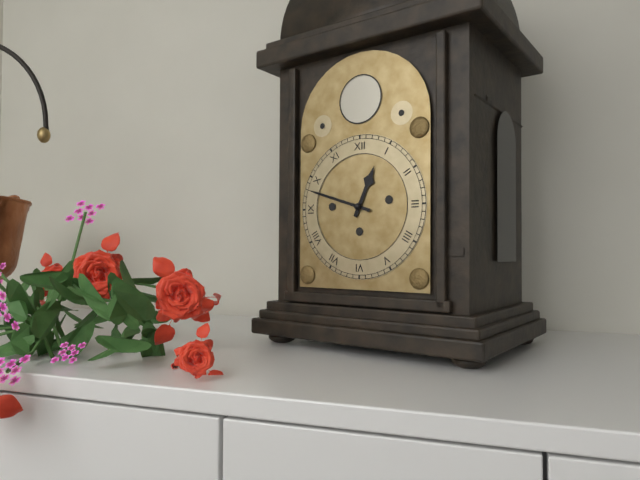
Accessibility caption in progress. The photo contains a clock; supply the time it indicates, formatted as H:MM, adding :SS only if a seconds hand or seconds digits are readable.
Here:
12:48
